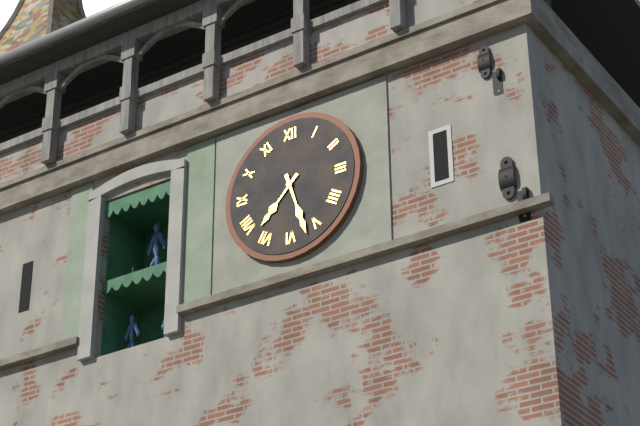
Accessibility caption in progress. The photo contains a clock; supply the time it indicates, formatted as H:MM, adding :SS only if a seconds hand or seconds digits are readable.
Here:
7:27
